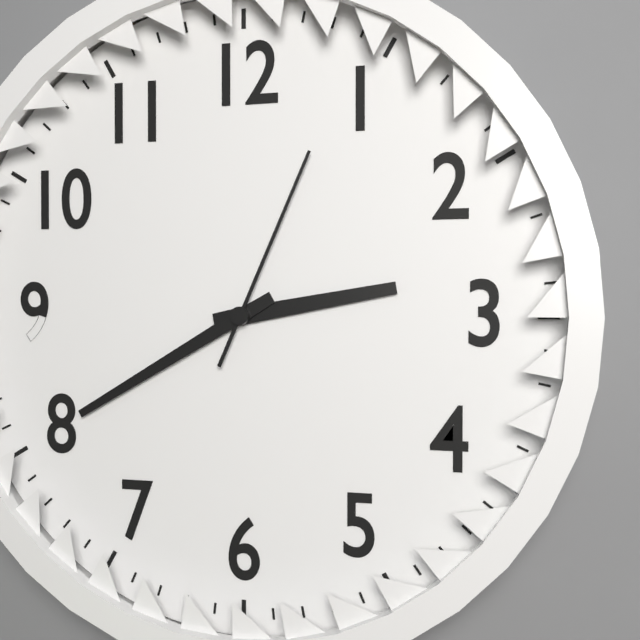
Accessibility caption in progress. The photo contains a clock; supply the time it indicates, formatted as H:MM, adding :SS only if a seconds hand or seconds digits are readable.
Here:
2:40:04
